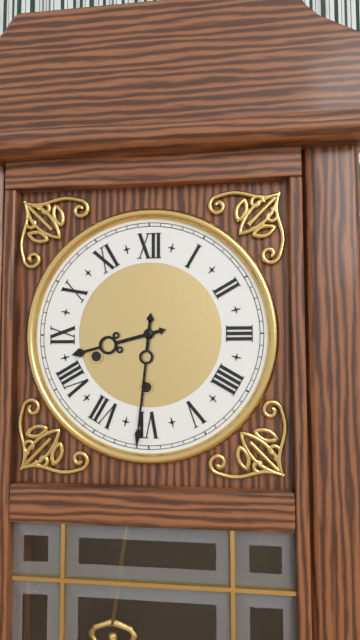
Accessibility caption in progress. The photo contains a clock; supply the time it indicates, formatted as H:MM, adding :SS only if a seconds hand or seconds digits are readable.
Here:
8:31
